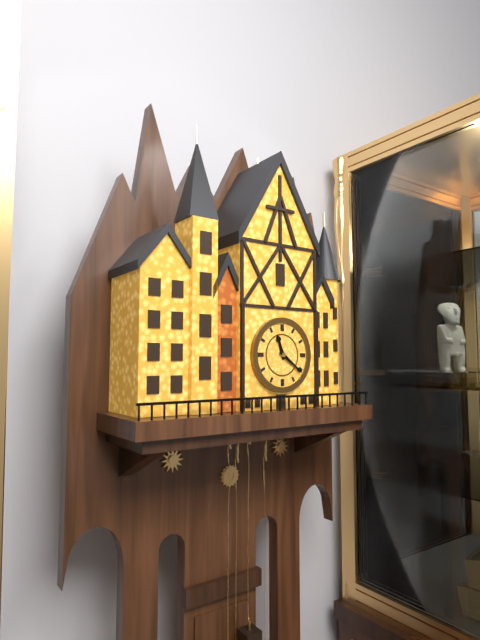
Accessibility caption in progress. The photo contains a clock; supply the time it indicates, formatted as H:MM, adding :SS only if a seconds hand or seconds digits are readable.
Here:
11:21
